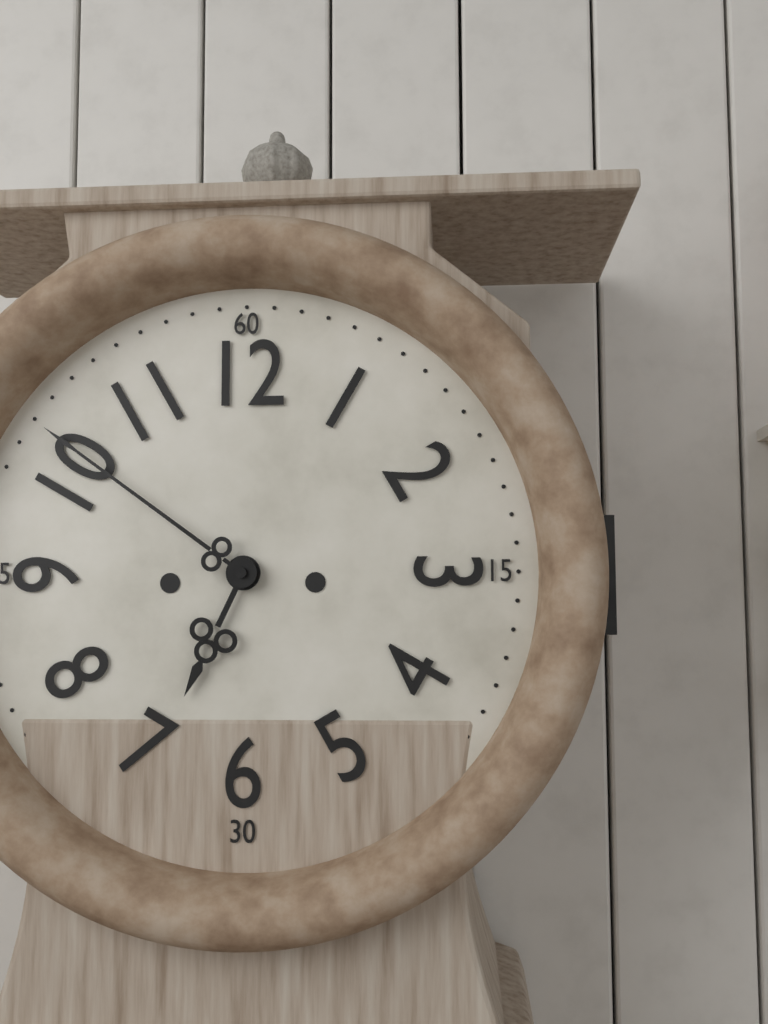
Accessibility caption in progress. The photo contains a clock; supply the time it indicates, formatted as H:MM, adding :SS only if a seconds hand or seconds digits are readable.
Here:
6:51
